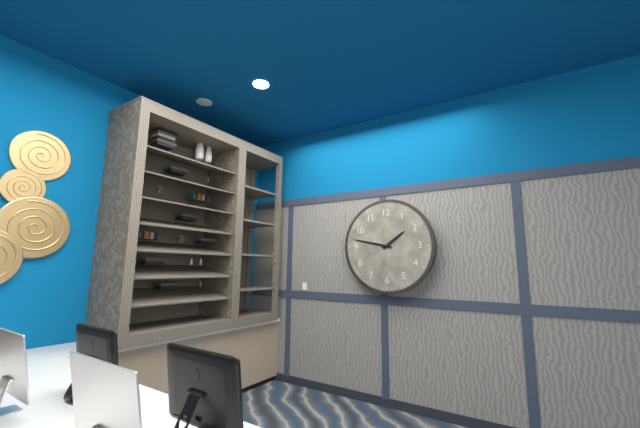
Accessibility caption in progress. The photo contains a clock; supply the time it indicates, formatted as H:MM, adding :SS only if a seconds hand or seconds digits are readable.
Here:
1:47
